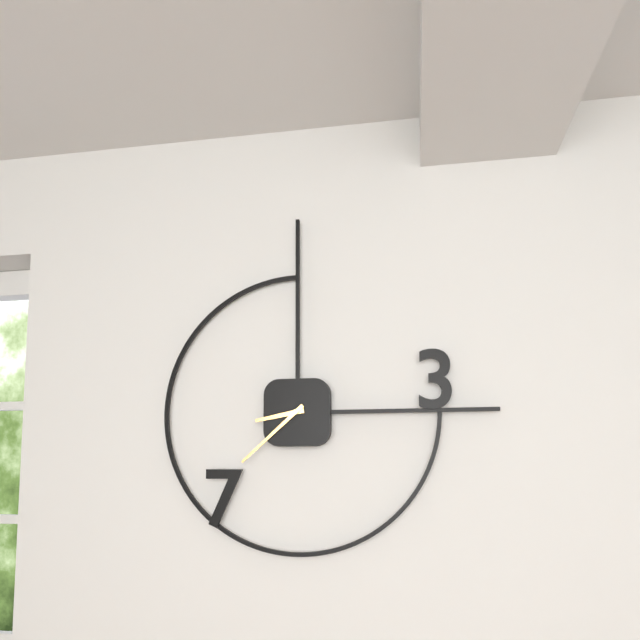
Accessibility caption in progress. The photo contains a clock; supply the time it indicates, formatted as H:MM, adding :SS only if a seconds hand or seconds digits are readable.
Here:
8:38
